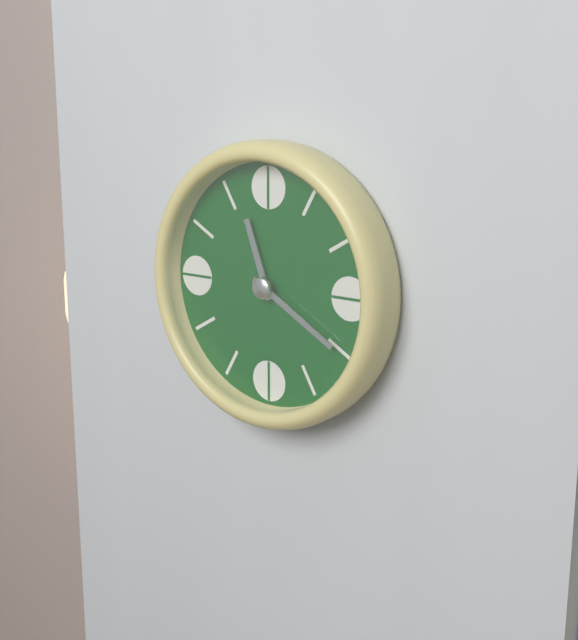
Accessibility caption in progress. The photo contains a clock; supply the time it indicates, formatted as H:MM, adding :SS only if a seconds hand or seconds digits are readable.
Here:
11:20
